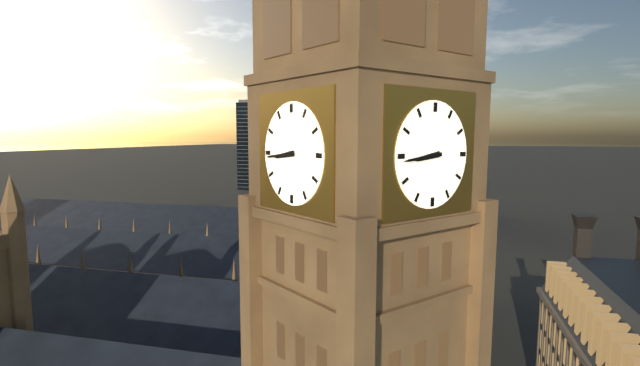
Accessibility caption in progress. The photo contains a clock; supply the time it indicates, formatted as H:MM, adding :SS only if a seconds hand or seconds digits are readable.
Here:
8:44
